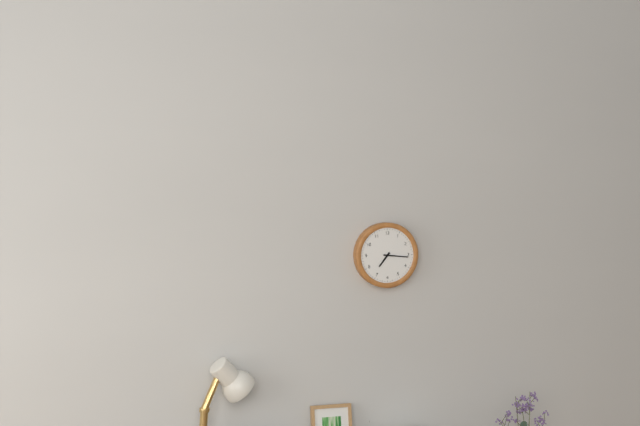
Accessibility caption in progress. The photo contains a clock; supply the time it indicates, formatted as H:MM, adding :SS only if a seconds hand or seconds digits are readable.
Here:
7:16
